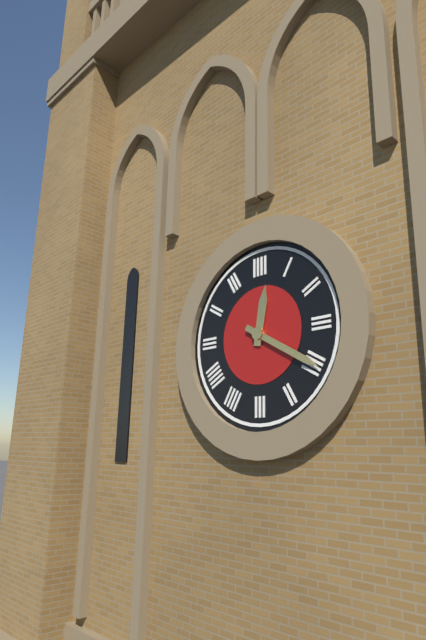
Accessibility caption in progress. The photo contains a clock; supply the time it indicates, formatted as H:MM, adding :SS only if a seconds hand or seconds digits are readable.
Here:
12:20
